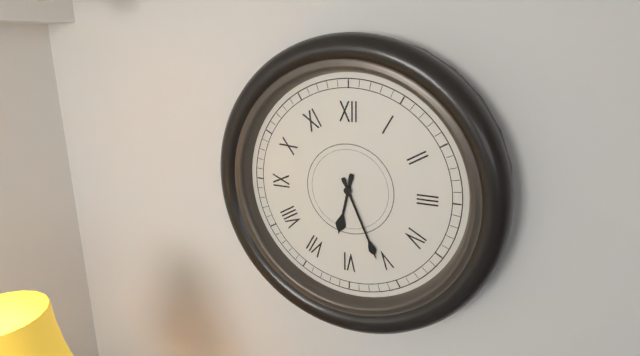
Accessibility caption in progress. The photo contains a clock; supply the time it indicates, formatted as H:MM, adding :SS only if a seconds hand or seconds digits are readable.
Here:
6:26
